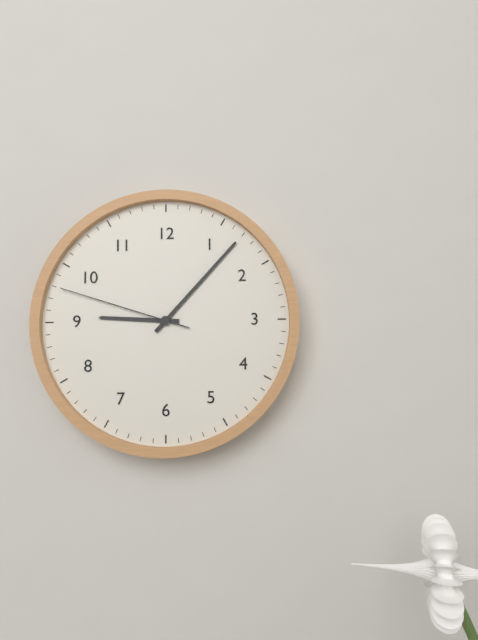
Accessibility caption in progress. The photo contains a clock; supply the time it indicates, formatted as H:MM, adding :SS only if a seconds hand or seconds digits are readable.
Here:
9:07:48
